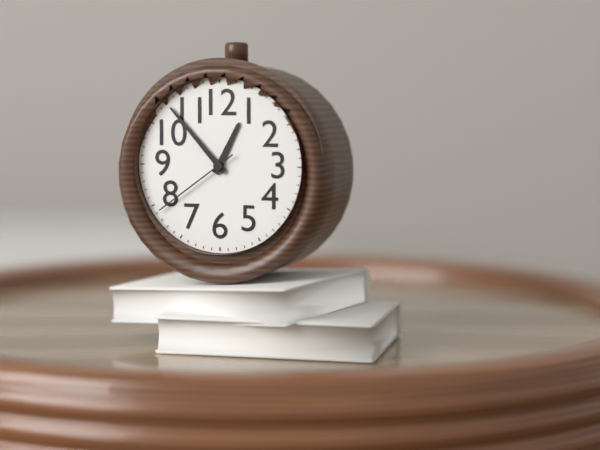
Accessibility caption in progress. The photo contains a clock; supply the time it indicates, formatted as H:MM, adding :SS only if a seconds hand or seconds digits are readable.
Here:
12:53:39
